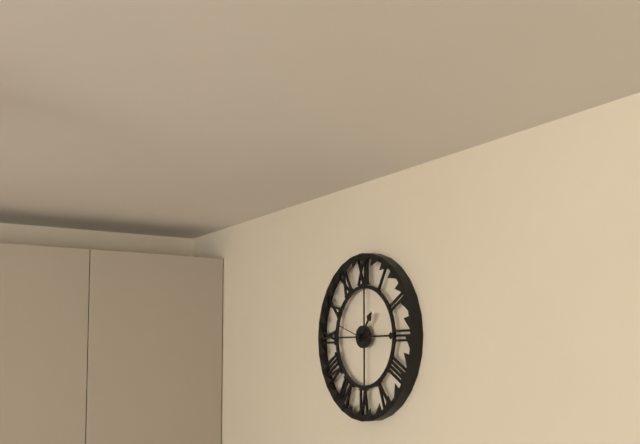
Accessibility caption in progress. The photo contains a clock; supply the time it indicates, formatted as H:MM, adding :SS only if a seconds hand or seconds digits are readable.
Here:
1:15
